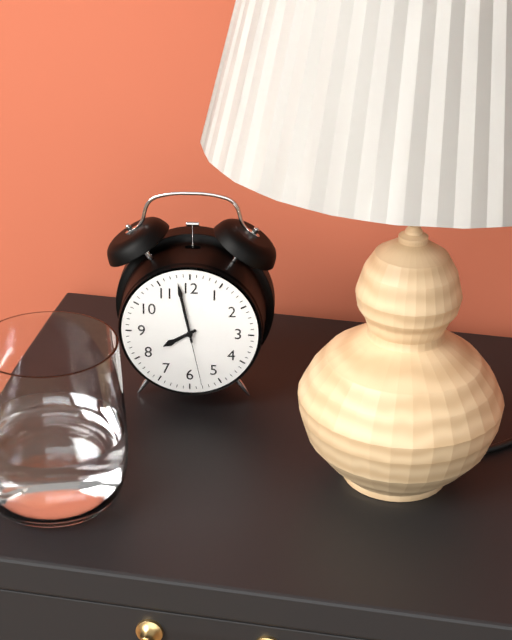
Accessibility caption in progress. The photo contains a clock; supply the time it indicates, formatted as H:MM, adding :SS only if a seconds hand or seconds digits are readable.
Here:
7:58:28
